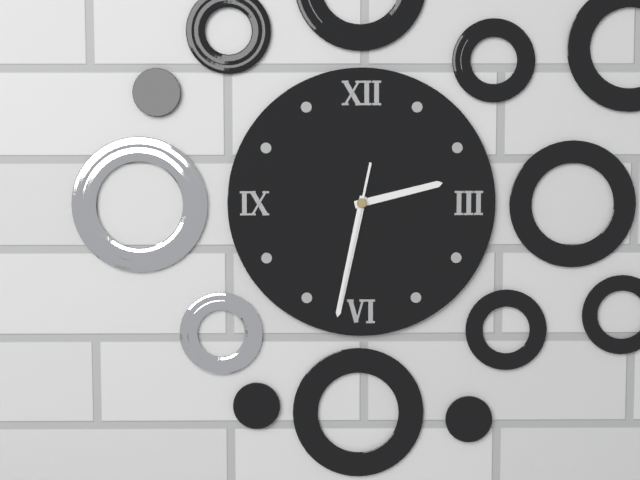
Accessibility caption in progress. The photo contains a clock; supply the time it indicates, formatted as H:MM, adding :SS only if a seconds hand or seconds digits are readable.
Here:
2:32:32
